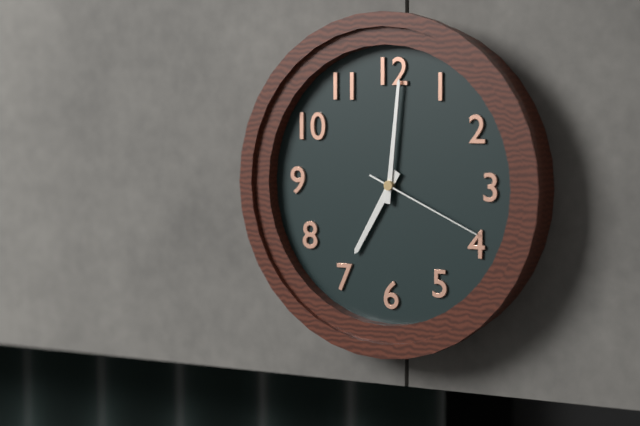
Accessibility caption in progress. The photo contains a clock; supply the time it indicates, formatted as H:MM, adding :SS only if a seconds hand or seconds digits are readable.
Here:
7:01:19
